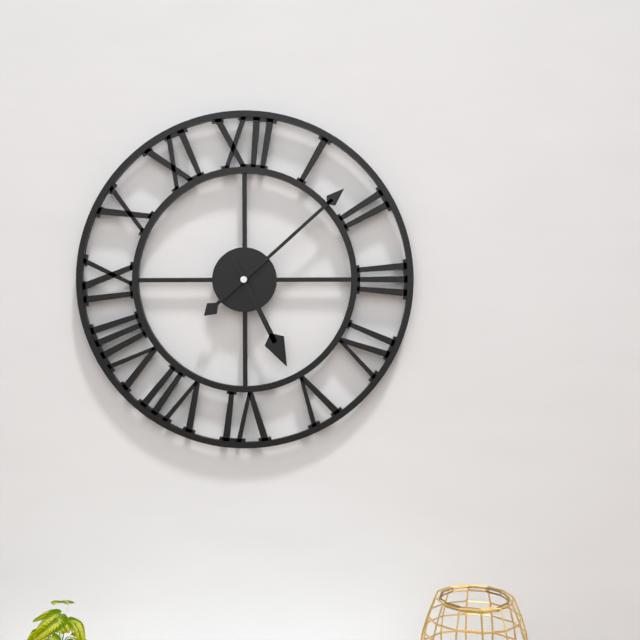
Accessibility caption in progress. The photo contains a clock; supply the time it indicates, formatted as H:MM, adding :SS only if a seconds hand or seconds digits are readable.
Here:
5:08
